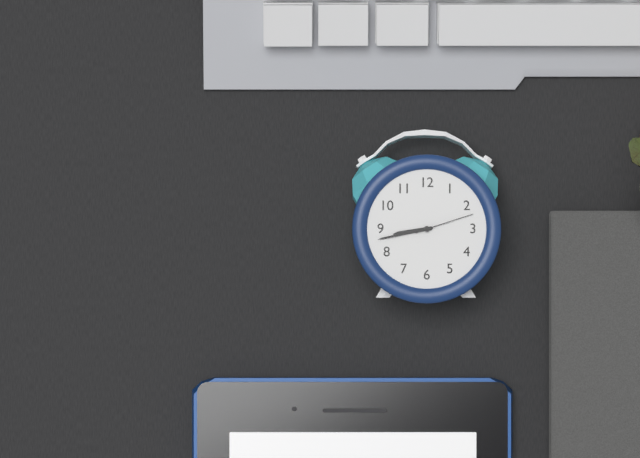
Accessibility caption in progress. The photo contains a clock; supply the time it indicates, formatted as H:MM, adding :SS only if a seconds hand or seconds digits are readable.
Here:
8:43:12
